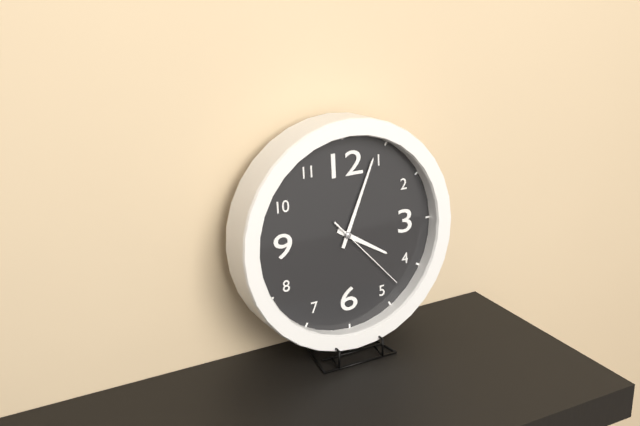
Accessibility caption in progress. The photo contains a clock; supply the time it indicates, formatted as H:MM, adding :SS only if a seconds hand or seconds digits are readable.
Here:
4:04:23
